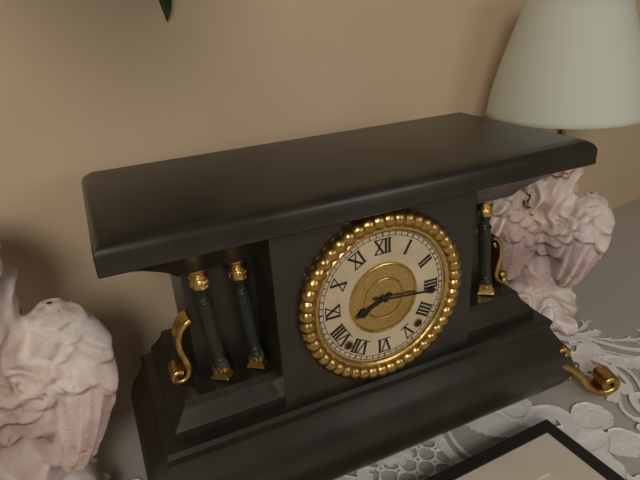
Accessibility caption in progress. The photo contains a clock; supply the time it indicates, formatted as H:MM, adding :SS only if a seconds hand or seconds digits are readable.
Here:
8:16
